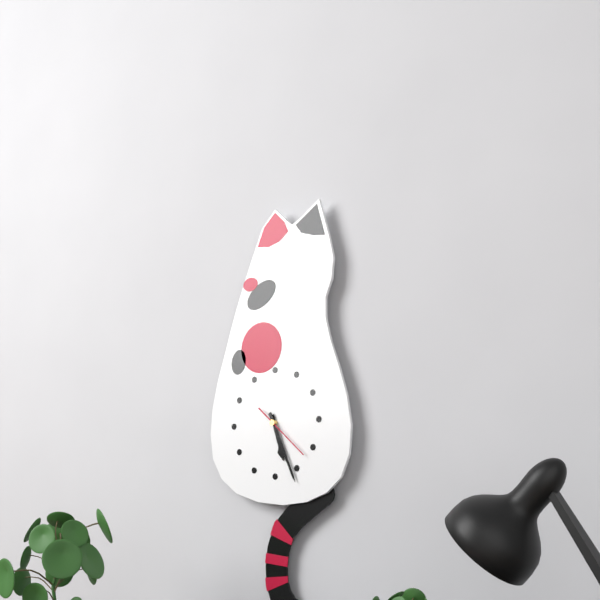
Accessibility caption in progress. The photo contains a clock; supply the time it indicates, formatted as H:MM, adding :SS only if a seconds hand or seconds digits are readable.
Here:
5:26:22
